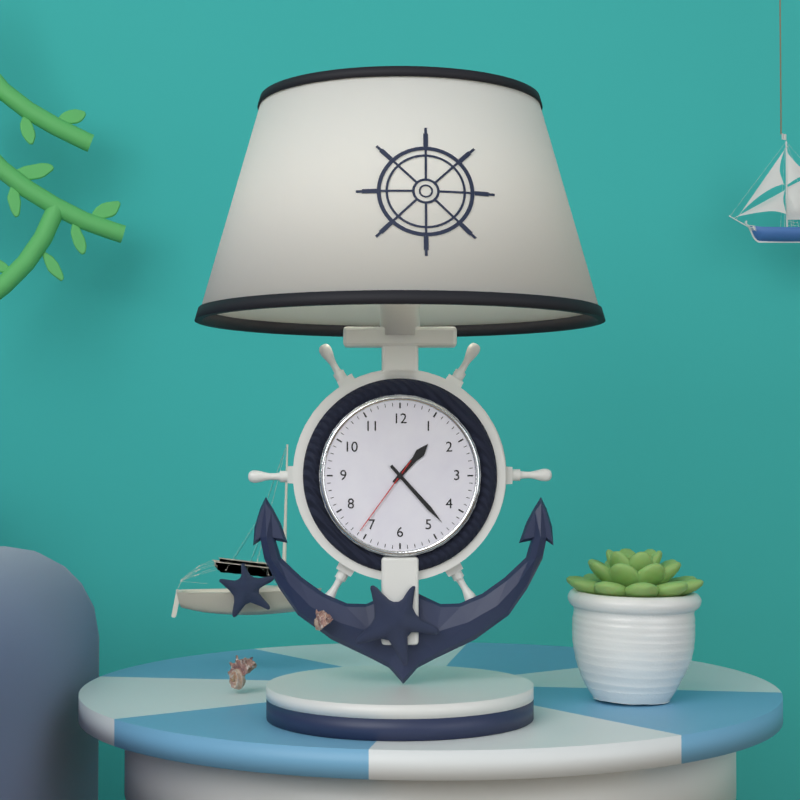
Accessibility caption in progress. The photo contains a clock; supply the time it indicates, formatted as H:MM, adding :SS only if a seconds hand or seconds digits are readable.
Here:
1:23:36
